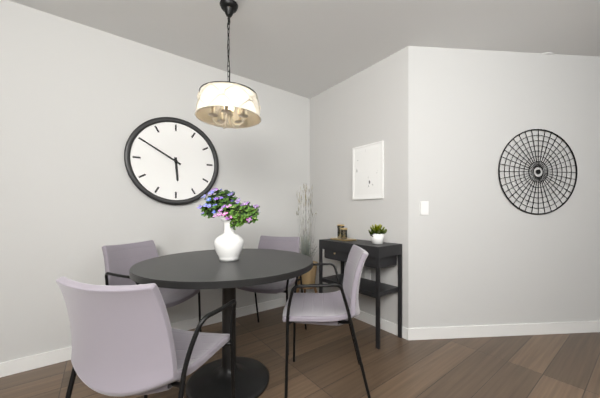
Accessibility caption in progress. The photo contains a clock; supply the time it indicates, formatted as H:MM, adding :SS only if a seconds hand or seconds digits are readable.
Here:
5:50
